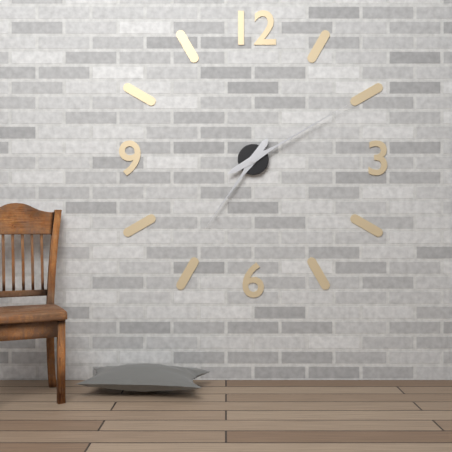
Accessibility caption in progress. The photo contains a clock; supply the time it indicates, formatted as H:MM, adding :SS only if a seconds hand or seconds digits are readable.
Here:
7:10
